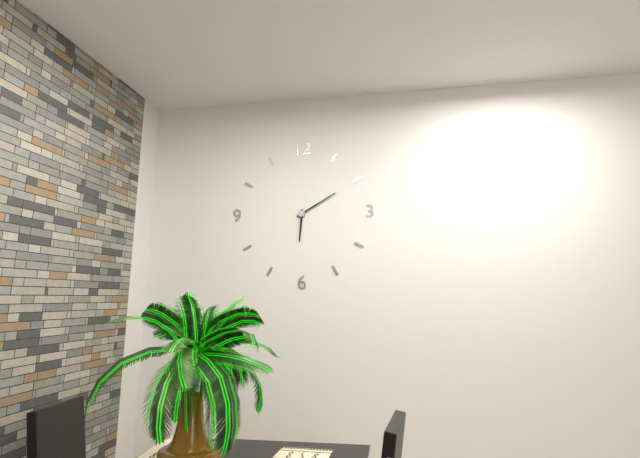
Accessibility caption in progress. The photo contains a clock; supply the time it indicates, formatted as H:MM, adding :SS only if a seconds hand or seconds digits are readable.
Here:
6:10
